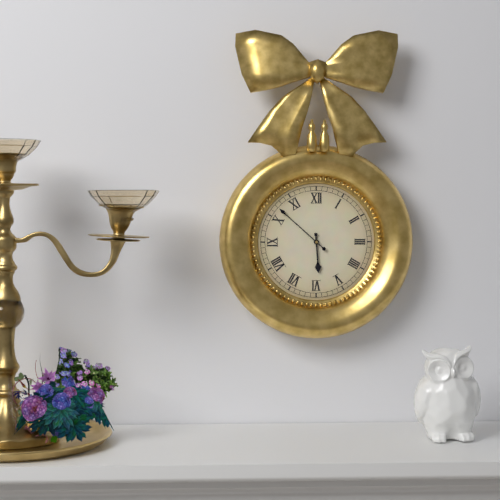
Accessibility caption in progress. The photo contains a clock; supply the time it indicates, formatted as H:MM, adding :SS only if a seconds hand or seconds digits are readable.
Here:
5:52
